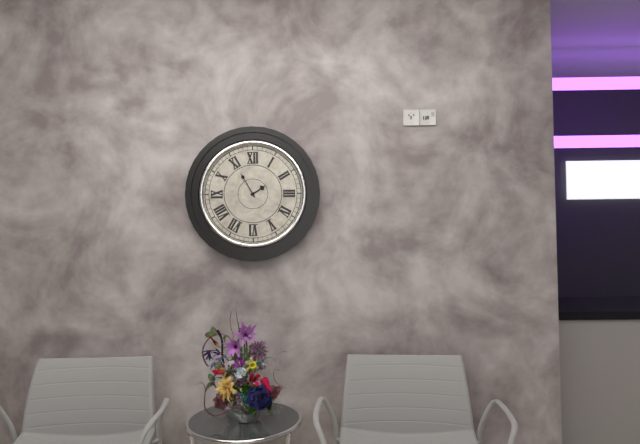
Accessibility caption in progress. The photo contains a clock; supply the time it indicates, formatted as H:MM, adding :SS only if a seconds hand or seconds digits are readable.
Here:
1:55
